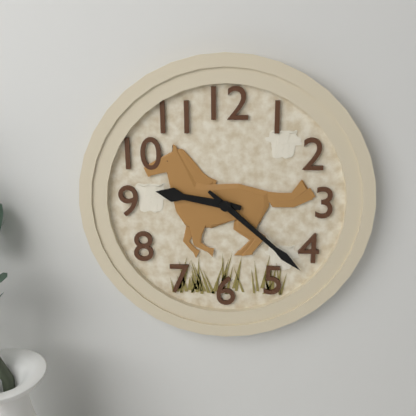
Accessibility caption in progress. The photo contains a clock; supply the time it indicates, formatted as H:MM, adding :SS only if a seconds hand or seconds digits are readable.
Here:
9:22
